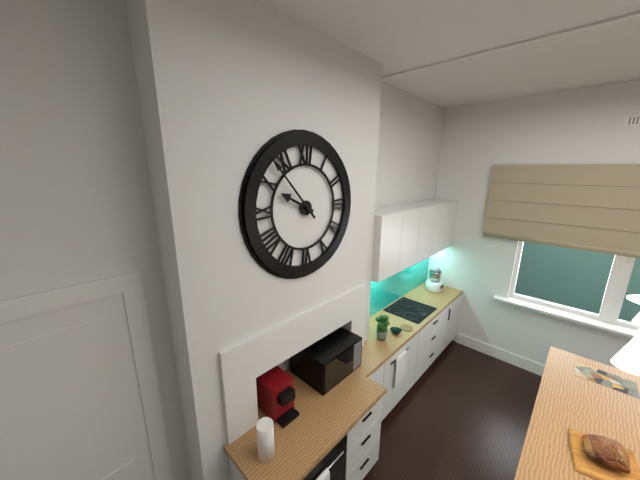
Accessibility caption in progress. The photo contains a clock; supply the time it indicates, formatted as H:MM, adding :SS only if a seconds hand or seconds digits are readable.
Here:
9:53
